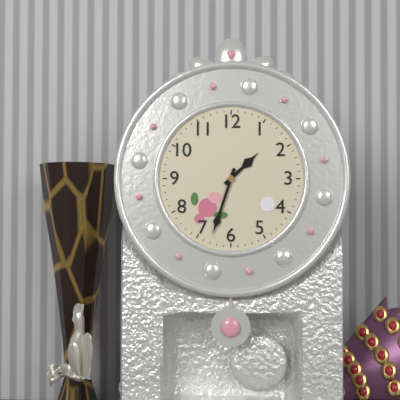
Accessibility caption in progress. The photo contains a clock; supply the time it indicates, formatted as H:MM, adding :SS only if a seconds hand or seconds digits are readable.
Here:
1:33
